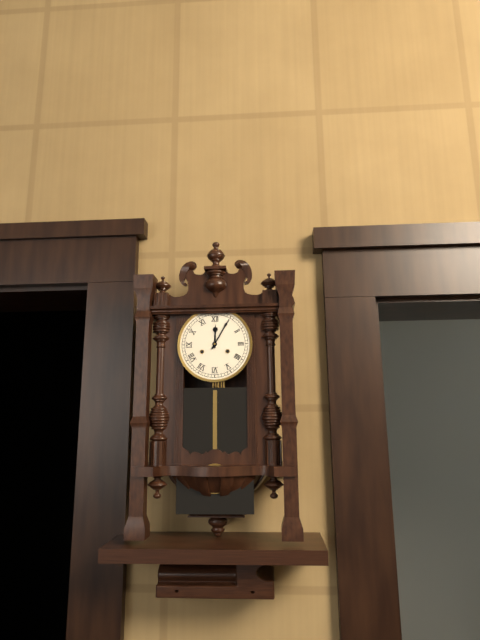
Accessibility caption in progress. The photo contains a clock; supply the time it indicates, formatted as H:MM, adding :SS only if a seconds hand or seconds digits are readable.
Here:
12:05
